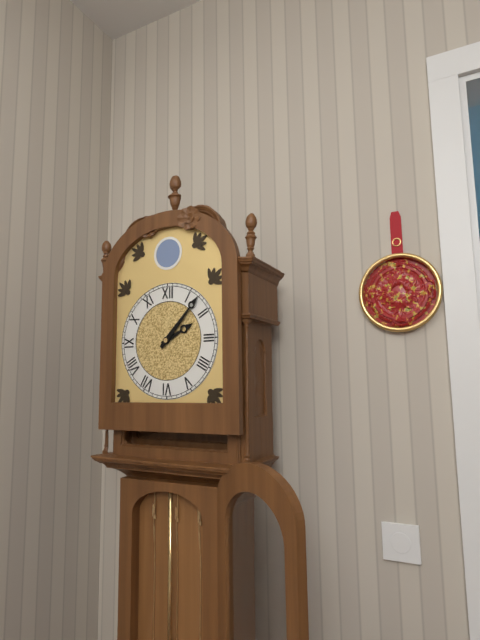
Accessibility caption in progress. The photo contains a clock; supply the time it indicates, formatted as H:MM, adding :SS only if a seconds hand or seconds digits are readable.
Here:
2:07
